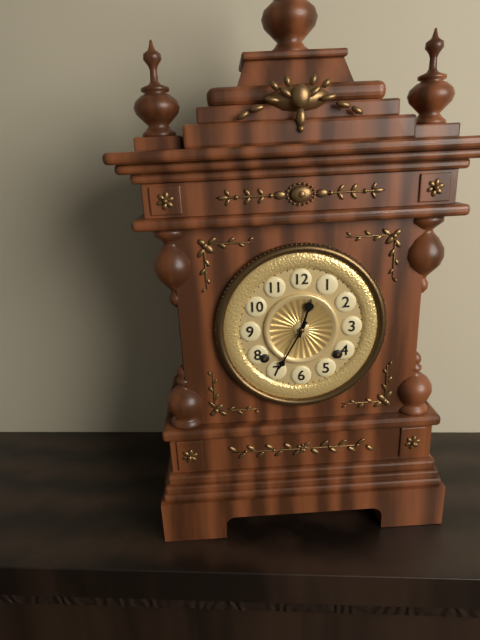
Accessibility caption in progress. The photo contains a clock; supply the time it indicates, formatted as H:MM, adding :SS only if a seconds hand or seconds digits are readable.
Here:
12:35
